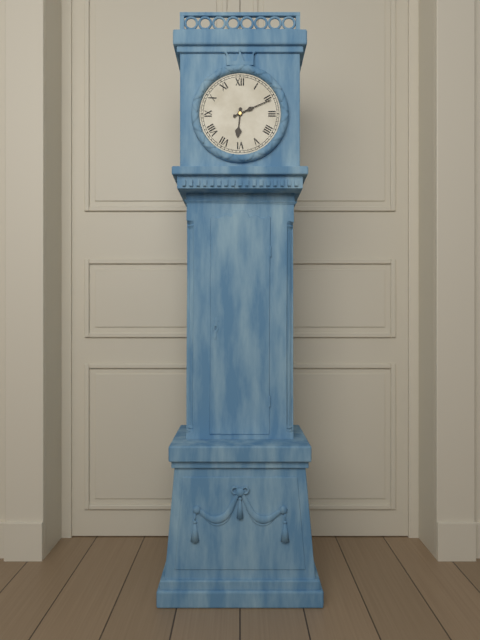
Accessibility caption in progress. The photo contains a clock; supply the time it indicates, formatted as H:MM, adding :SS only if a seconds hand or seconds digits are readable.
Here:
6:11
